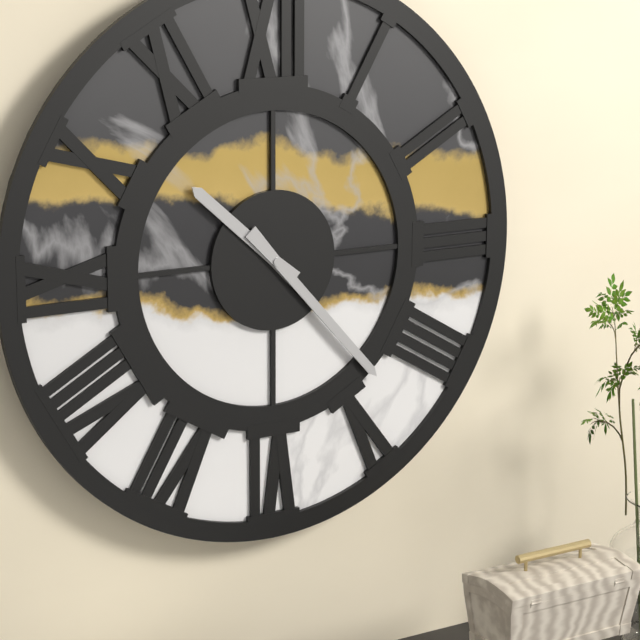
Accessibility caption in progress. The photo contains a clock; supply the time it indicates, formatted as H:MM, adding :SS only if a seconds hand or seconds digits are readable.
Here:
10:23
